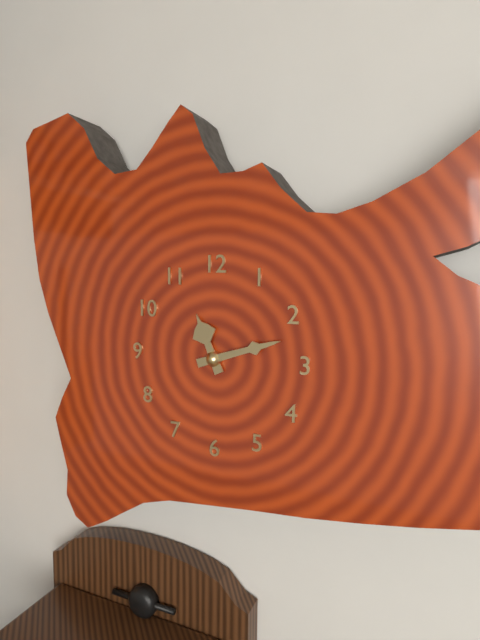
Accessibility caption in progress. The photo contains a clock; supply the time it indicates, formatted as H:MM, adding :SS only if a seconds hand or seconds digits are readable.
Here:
11:12
